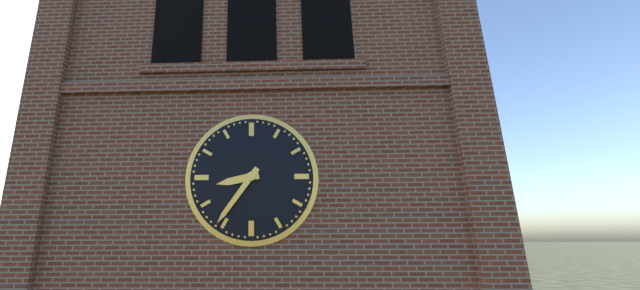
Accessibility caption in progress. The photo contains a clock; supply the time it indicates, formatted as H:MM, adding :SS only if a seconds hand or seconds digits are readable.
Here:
8:36
